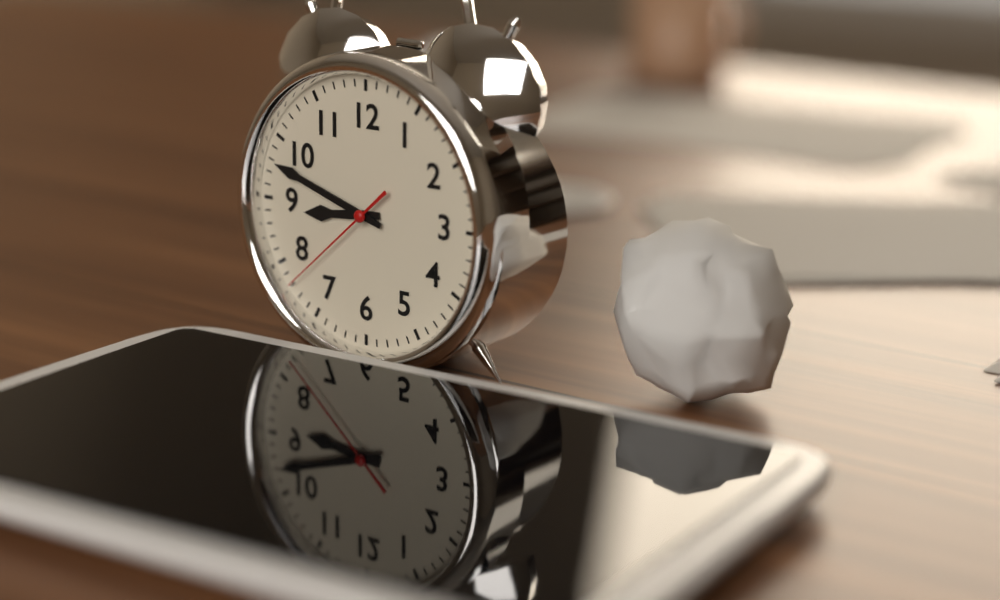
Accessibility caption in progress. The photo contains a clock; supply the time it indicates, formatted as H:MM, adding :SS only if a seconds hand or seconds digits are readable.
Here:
8:48:38
